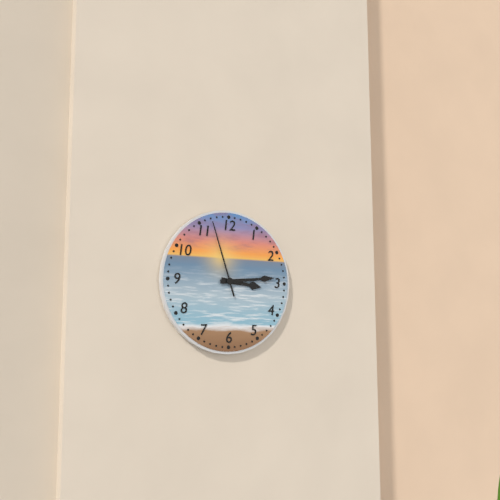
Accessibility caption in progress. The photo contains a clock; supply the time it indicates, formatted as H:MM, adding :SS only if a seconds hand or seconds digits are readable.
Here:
3:14:57
